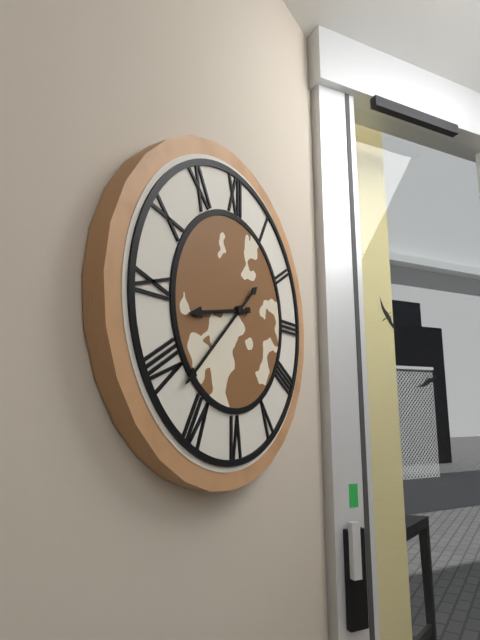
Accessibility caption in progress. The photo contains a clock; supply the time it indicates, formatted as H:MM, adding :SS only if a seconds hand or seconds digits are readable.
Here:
8:38
